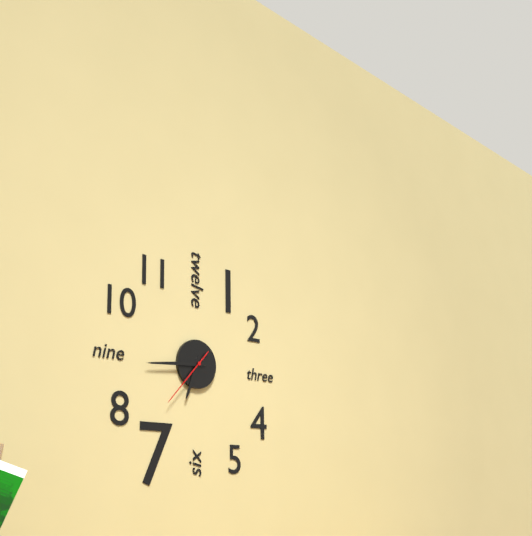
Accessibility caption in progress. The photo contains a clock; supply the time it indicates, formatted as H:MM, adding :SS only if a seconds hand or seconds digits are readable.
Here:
6:44:37
